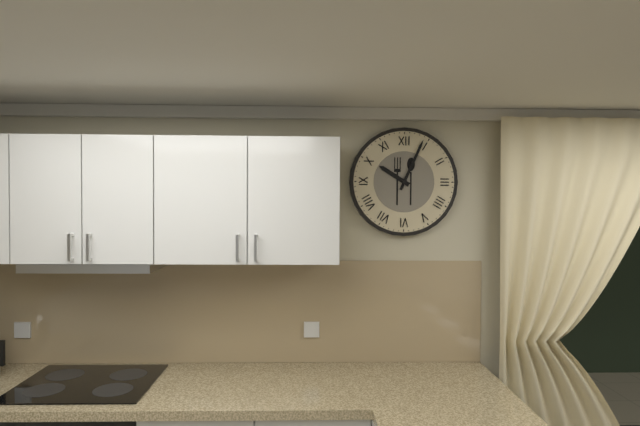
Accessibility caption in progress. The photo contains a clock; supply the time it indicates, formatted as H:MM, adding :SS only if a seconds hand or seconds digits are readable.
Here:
10:04
